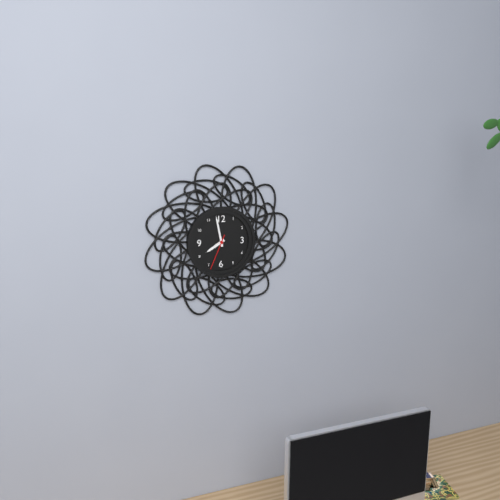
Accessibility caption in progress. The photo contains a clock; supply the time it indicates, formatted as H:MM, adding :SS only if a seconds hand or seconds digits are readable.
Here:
7:58
